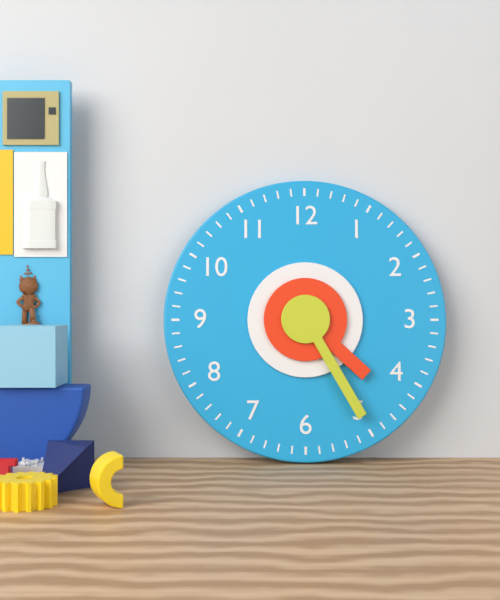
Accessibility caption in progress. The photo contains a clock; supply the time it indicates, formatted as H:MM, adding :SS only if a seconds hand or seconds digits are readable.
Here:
4:25
